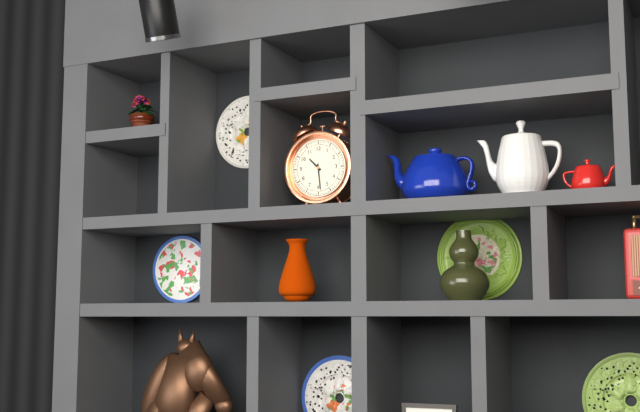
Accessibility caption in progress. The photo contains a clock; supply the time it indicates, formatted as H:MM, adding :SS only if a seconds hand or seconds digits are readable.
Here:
10:29
